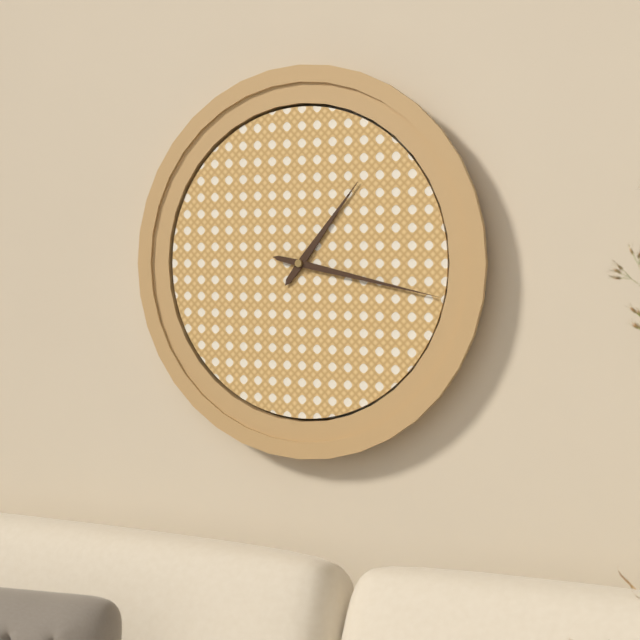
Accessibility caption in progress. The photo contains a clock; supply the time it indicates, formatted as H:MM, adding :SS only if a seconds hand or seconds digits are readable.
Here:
1:17
